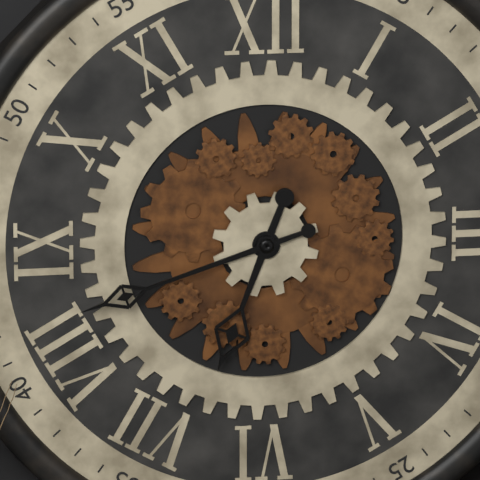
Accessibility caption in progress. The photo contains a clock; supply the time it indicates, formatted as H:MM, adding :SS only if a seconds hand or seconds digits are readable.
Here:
6:42
